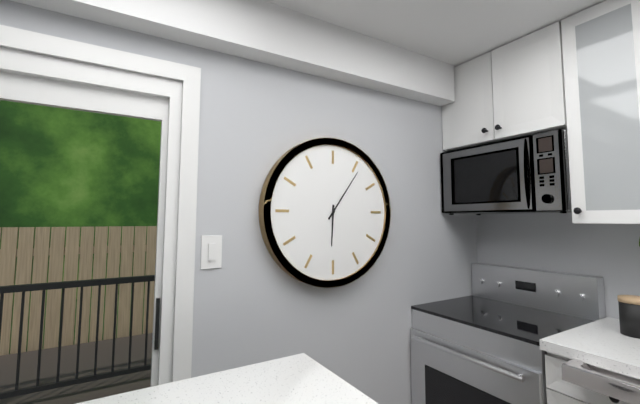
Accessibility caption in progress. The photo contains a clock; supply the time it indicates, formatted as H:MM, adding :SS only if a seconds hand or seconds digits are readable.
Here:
6:06
